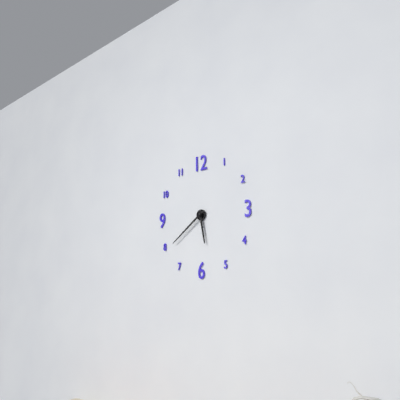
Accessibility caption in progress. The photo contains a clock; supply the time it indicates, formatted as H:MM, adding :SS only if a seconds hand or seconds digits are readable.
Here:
5:39
